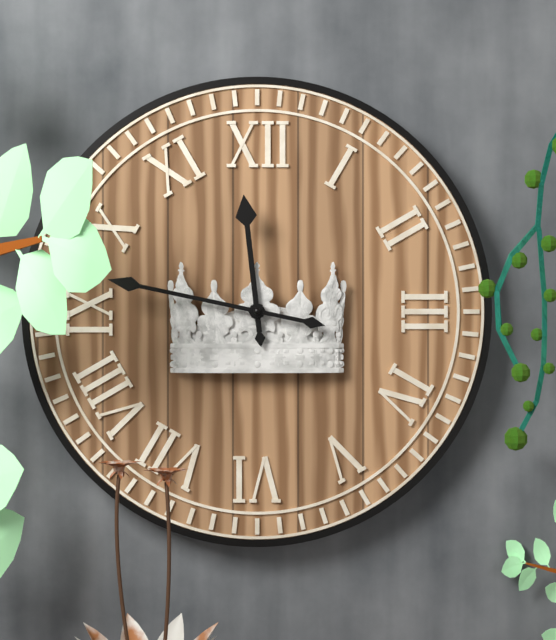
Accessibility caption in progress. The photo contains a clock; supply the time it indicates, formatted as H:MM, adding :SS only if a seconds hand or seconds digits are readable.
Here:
11:47
